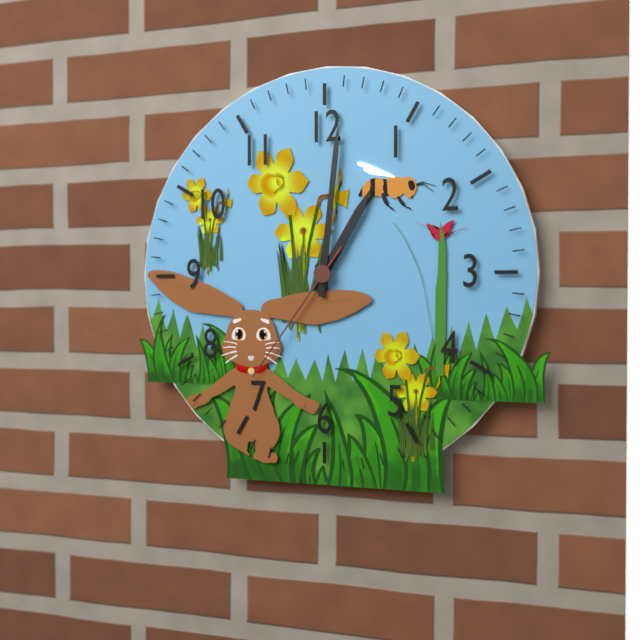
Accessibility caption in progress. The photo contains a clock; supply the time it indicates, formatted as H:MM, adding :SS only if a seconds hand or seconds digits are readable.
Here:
1:01:36
